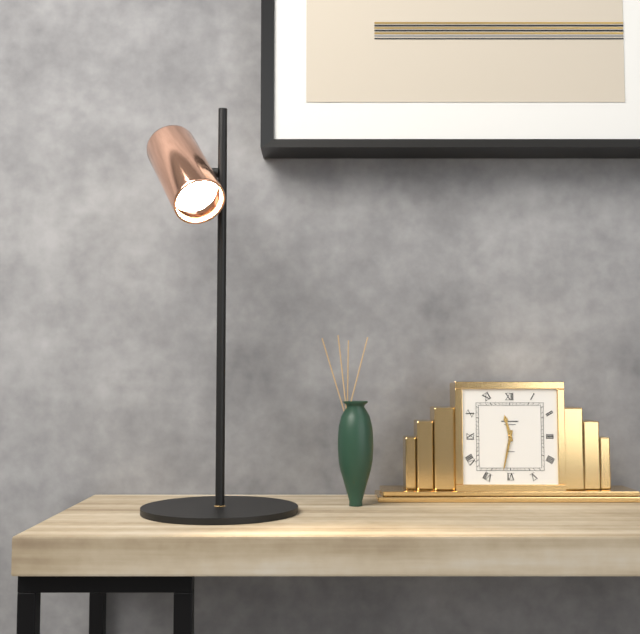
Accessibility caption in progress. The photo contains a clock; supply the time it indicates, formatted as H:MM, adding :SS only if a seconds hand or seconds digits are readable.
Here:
11:32
